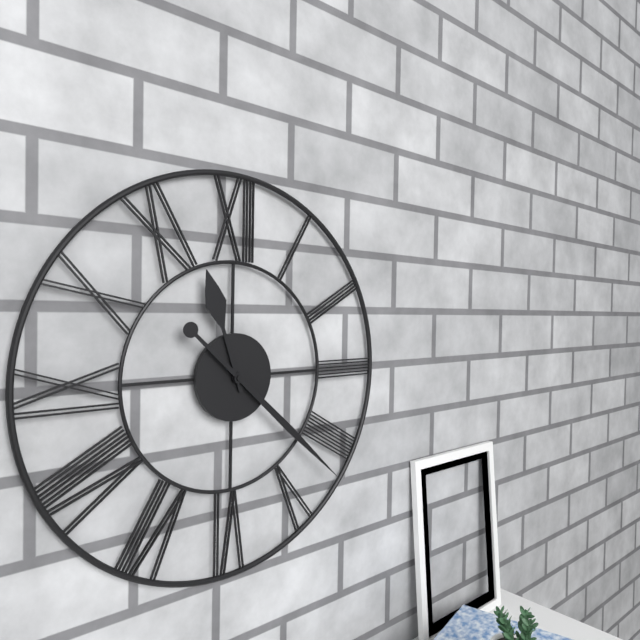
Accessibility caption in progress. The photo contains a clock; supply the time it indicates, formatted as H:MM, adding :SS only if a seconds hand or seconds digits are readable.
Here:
11:22
